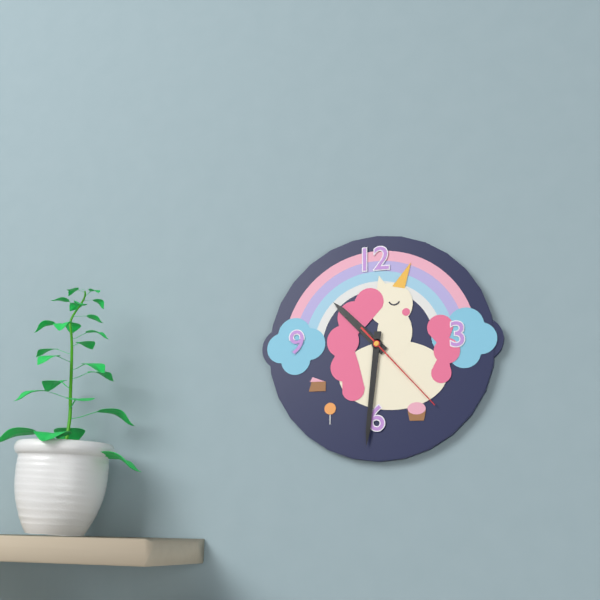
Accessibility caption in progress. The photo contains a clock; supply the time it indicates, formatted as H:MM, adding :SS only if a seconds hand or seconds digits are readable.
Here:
10:31:23
